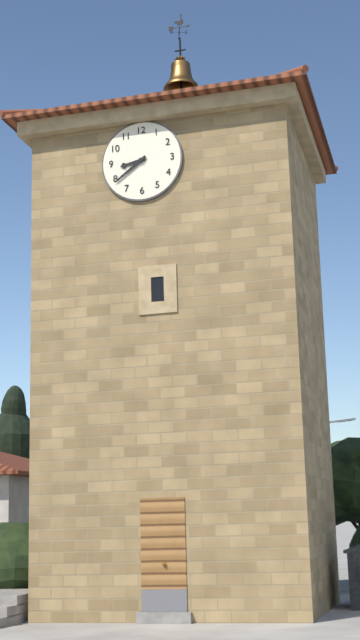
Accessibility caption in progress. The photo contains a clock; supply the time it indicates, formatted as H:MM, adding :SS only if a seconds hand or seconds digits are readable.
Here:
8:39
